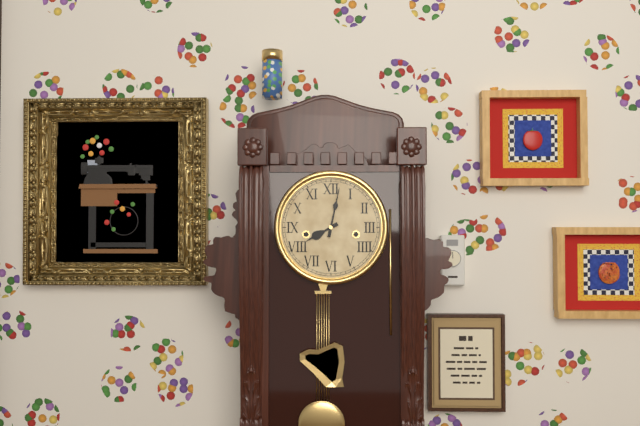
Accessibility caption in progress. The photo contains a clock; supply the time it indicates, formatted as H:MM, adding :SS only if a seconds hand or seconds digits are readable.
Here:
8:02
